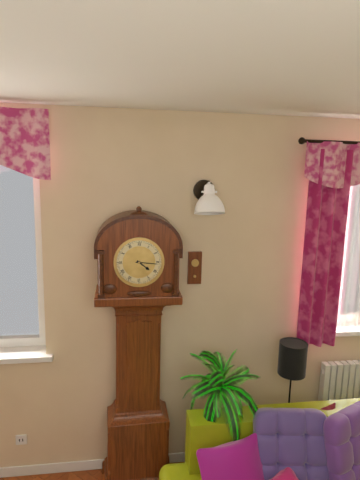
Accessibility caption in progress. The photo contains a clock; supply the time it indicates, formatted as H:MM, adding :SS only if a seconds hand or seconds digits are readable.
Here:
4:16
